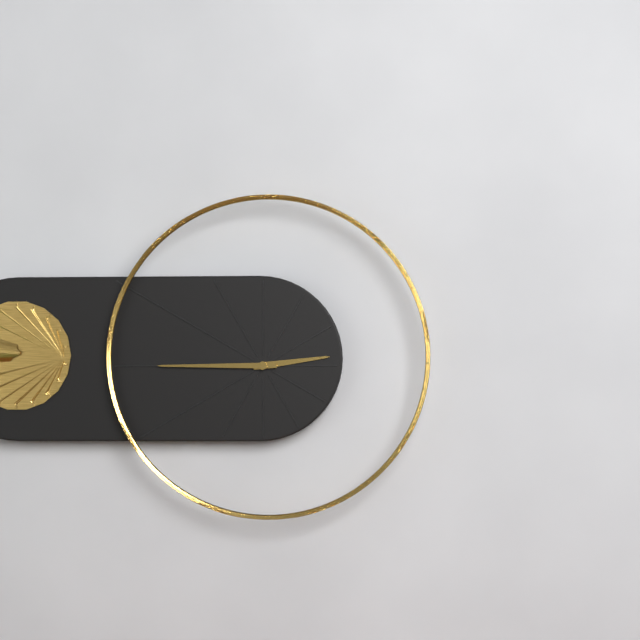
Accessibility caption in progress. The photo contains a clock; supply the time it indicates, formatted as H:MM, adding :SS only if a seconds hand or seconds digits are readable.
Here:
2:45
